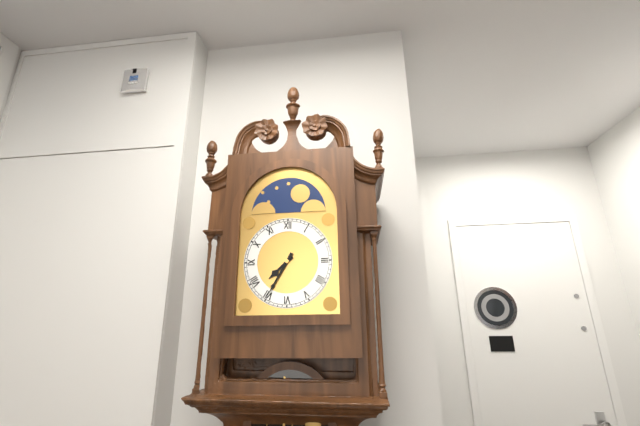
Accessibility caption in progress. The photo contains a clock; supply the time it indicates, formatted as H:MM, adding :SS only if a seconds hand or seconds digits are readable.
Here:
7:35
